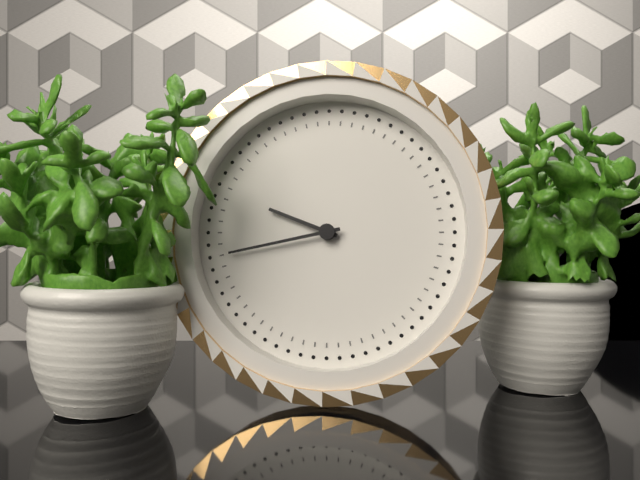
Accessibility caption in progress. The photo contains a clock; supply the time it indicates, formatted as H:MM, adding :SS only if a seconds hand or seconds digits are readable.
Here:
9:43
